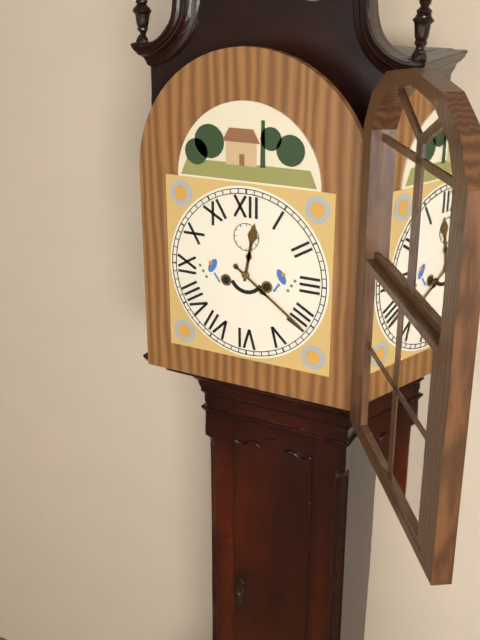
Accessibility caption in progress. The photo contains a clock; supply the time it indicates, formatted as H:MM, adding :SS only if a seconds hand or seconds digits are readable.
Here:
12:21
